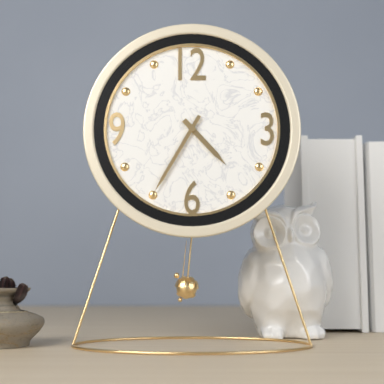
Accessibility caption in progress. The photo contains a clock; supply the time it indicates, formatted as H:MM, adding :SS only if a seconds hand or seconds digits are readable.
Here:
4:35
